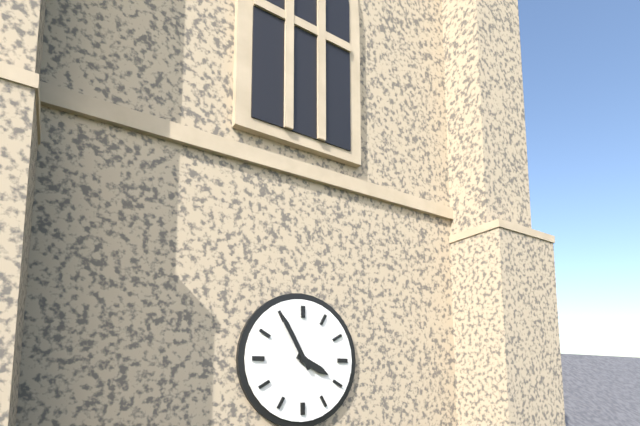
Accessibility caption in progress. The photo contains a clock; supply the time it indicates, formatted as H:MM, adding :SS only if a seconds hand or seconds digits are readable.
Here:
3:55
